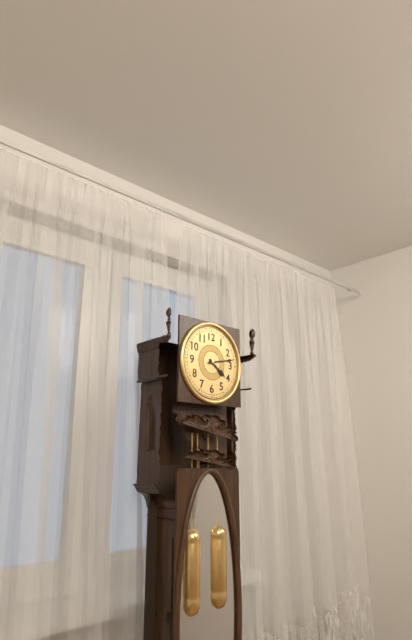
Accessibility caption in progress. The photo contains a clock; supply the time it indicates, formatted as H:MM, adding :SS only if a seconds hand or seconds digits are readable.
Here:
4:13
